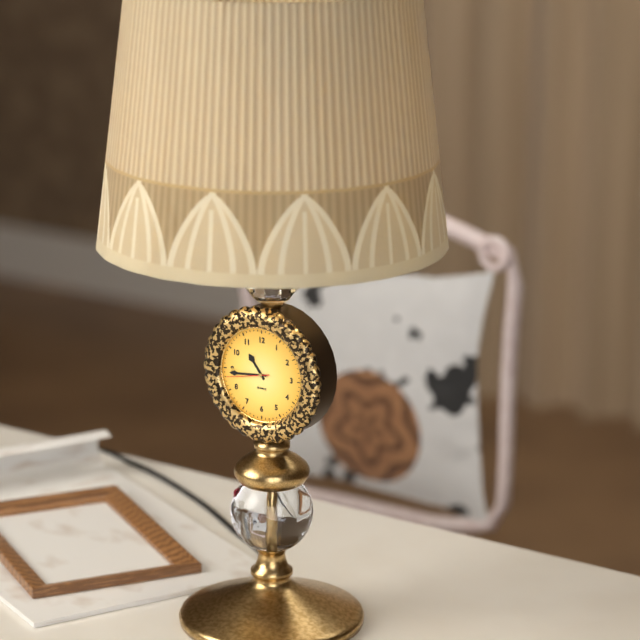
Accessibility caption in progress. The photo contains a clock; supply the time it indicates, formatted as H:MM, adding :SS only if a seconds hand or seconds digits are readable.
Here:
10:44
